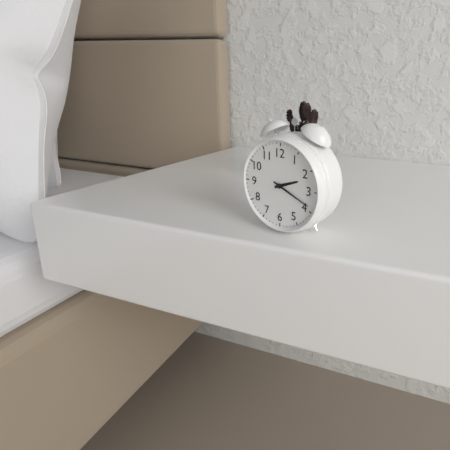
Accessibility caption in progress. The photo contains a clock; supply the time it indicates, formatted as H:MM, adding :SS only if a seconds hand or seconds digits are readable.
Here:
2:19
